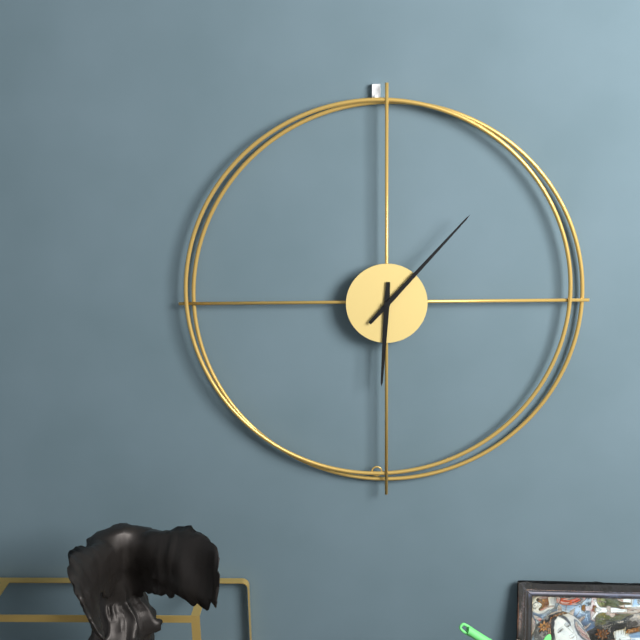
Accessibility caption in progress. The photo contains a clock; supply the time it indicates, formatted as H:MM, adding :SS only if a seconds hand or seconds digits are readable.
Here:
6:07
